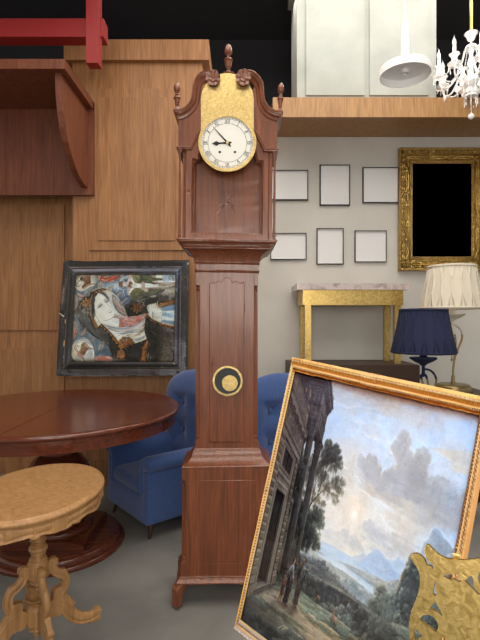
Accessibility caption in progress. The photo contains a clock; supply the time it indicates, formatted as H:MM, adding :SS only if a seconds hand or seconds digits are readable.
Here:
8:53
